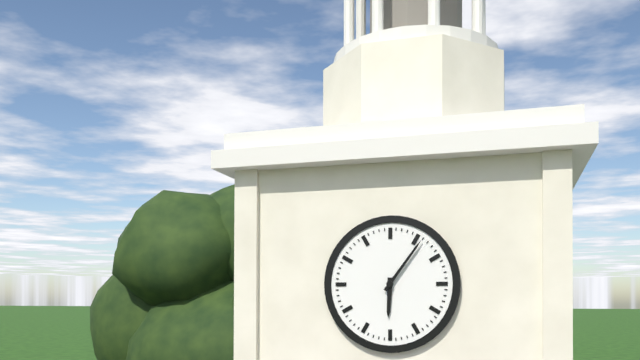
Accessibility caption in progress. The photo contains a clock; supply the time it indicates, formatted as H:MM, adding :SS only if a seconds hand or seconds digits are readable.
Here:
6:06
